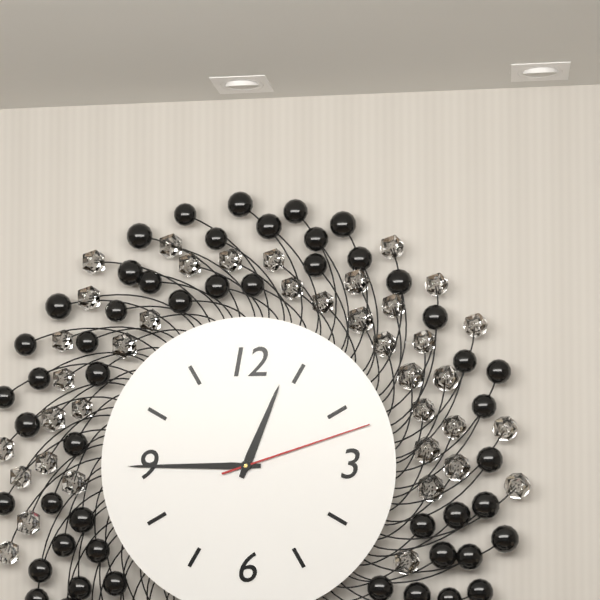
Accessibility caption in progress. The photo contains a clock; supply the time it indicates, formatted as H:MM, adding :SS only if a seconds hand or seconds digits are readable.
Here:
12:45:12
